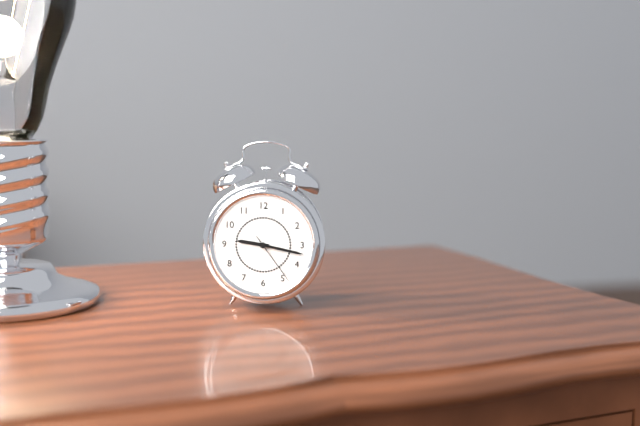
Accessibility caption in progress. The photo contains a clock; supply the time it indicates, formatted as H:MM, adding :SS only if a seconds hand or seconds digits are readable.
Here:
9:17:24
